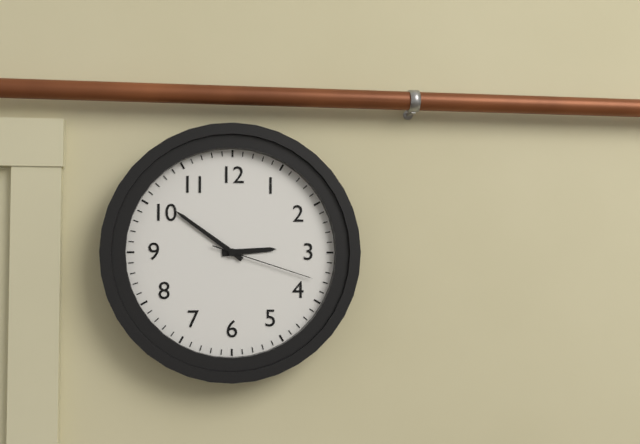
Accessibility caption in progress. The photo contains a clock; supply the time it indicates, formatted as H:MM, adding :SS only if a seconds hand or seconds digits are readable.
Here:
2:51:18
